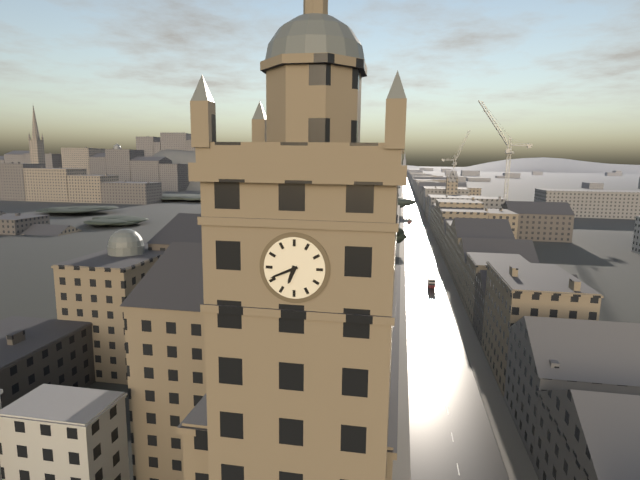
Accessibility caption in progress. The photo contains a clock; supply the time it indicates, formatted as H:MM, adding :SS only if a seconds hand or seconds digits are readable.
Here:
6:41
